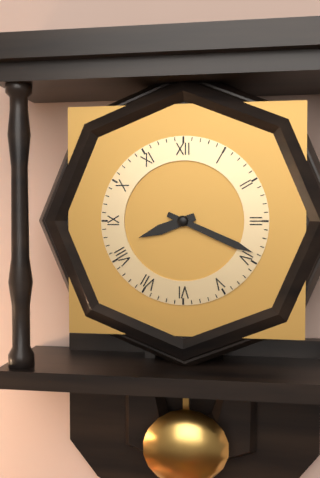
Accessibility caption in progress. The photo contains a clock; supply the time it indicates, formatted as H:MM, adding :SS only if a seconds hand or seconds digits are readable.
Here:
8:19
